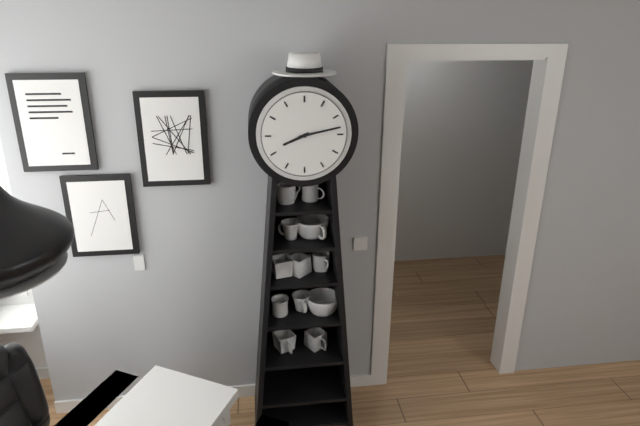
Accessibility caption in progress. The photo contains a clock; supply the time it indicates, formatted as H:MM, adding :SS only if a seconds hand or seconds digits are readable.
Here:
8:13
